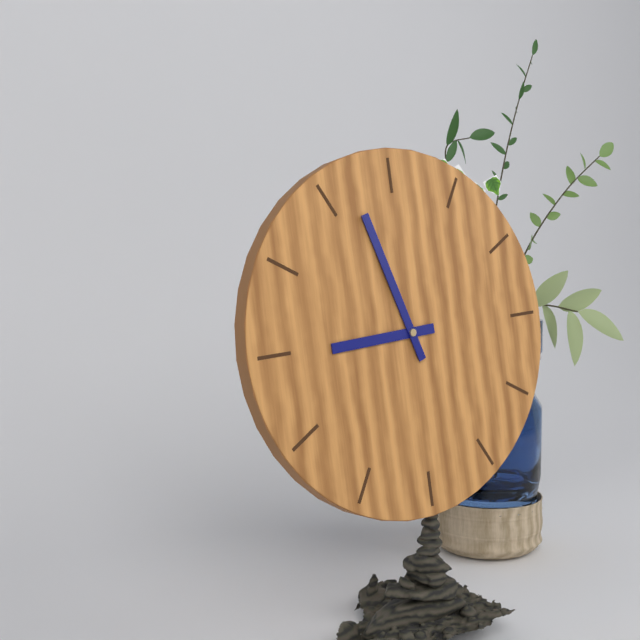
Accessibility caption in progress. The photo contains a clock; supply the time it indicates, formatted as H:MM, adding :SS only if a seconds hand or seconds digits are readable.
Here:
8:57
